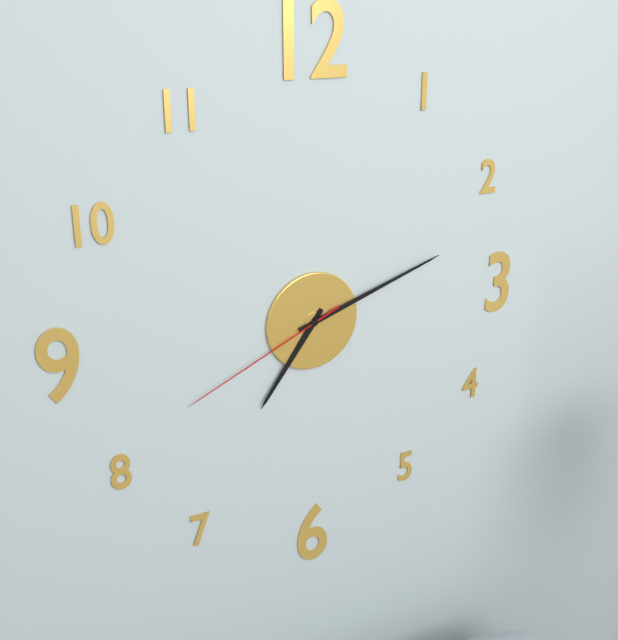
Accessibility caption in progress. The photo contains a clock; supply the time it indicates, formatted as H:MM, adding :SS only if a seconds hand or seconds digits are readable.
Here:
7:12:41
